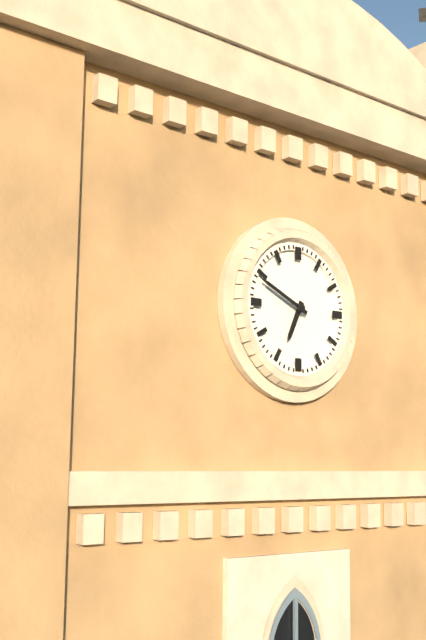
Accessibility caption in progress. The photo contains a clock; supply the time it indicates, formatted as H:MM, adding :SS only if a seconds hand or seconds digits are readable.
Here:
6:49
